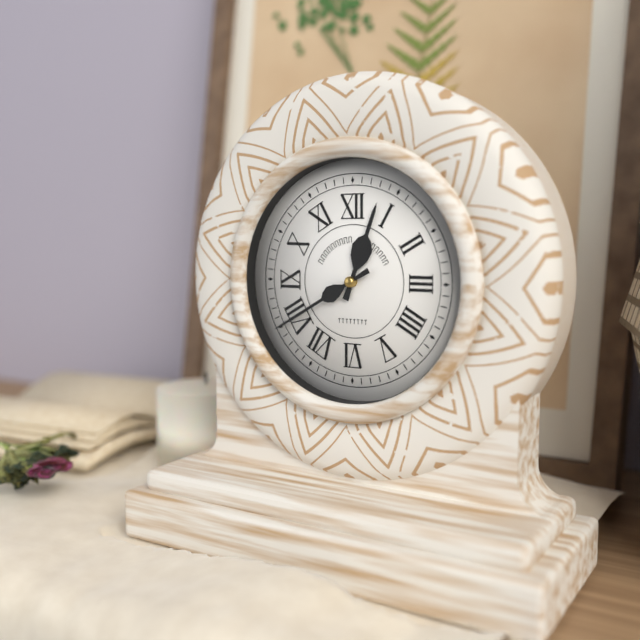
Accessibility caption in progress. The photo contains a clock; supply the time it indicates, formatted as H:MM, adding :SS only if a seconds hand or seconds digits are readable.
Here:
12:40
